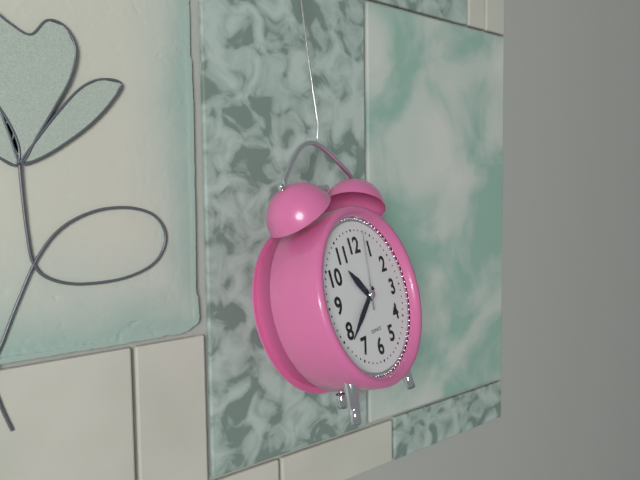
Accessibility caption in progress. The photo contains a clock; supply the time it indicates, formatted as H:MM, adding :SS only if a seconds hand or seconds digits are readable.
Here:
10:39:02
